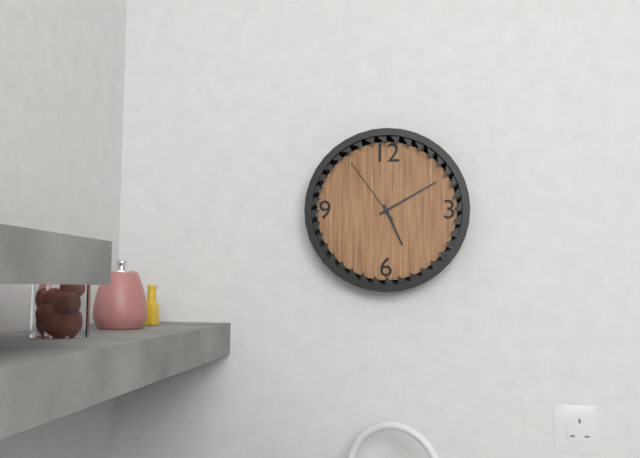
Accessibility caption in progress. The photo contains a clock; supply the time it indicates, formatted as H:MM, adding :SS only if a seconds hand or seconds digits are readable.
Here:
5:10:54
